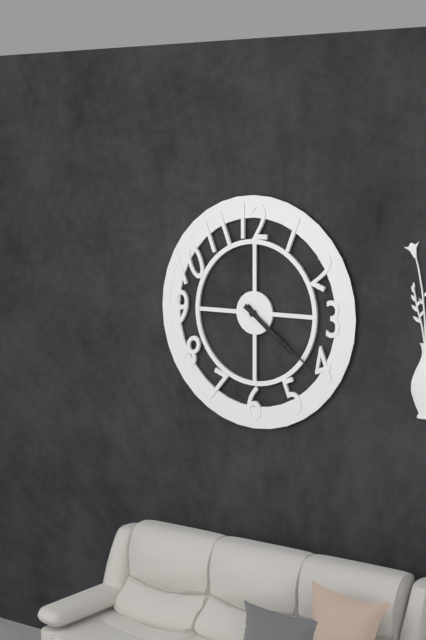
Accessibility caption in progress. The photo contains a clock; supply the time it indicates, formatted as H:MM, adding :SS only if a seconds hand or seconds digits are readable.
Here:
4:21
